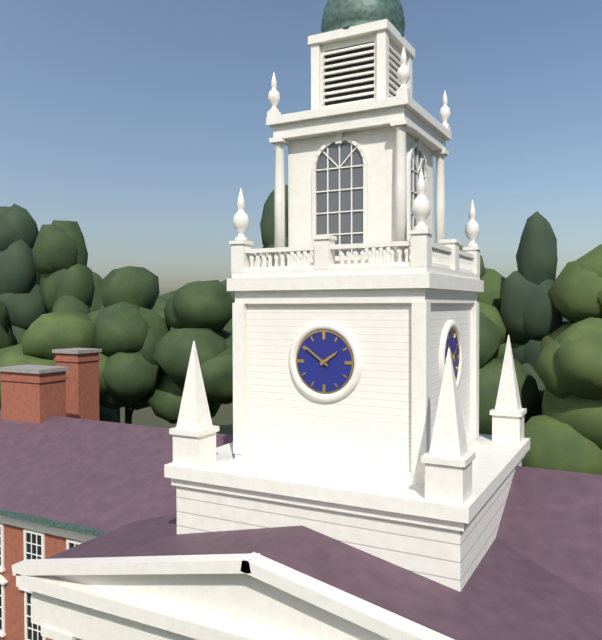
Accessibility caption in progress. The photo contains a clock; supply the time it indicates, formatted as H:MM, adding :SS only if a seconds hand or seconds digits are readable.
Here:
1:51
